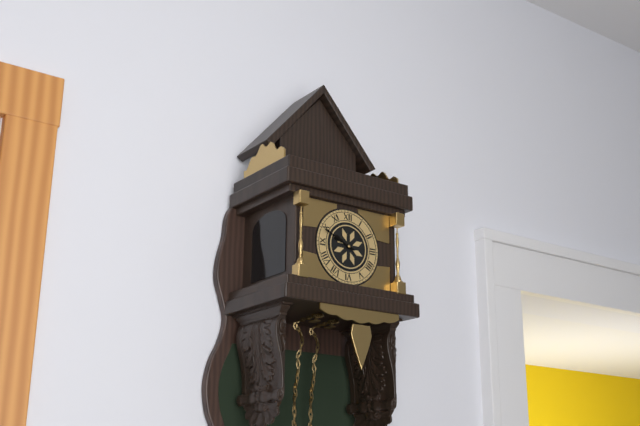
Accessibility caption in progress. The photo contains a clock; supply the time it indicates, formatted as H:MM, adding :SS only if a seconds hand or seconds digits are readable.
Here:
9:49
